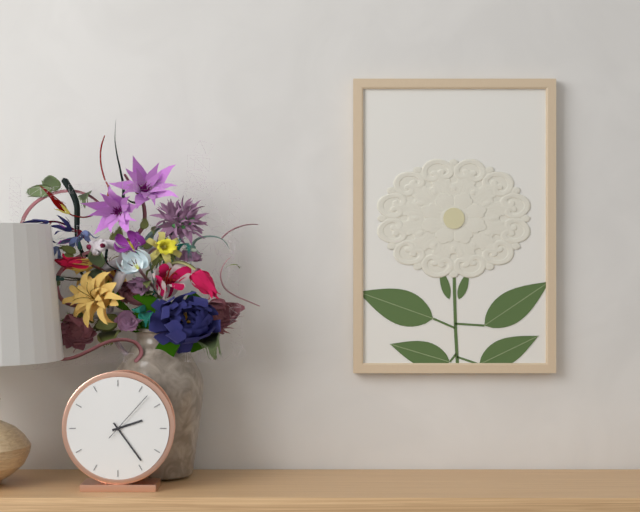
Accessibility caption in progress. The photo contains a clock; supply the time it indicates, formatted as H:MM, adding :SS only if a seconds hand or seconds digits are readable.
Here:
2:24:07
